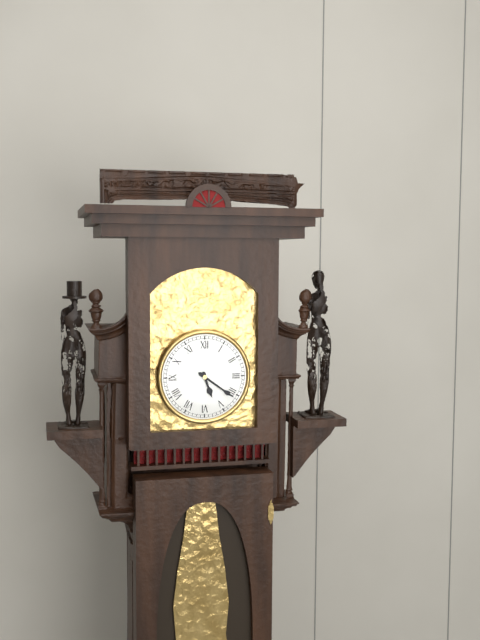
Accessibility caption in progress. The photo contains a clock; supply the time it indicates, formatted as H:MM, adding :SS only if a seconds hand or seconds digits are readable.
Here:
5:21
